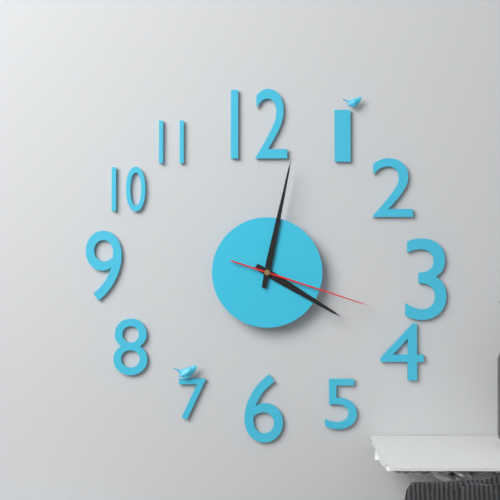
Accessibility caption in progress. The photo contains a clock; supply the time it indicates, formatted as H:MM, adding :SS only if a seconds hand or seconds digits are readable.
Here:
4:02:18
